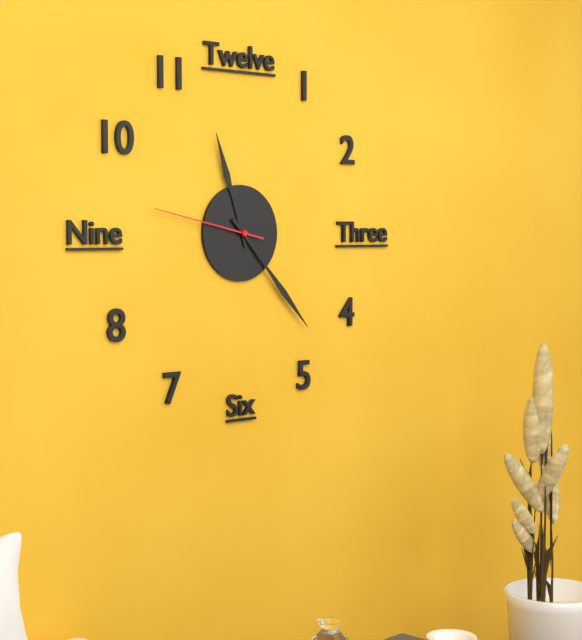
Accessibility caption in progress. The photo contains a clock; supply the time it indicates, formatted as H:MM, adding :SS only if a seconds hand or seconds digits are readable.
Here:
11:23:47
